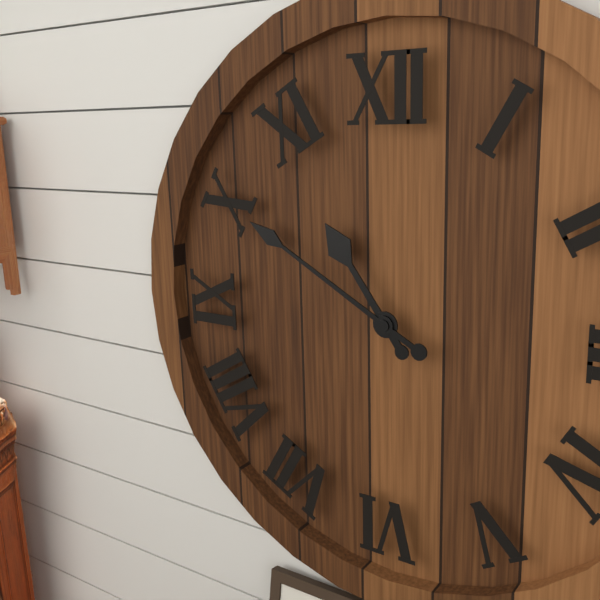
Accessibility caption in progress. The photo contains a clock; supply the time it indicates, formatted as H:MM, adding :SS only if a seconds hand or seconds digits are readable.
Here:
10:50
